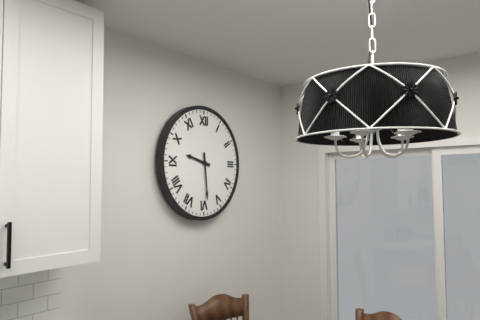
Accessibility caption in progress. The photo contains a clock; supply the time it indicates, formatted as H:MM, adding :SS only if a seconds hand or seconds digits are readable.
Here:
9:29
